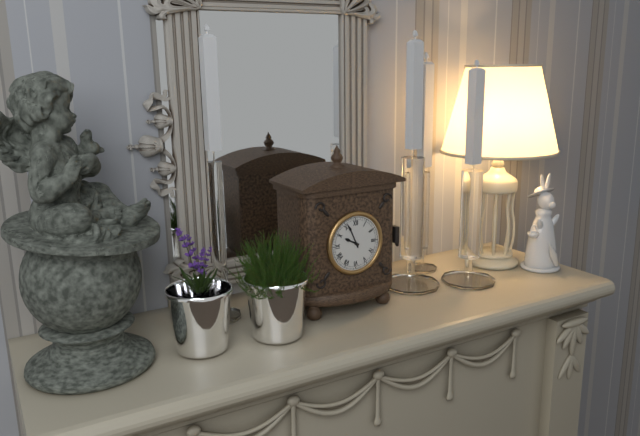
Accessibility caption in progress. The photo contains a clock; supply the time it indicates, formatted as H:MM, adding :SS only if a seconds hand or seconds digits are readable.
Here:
9:56
